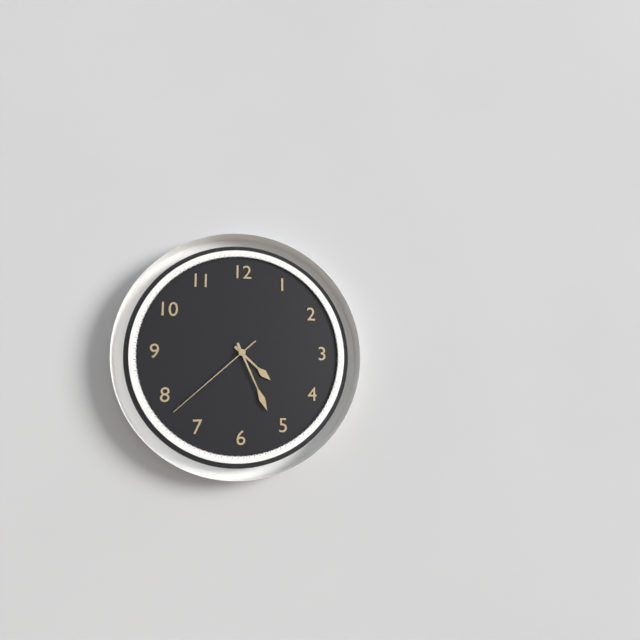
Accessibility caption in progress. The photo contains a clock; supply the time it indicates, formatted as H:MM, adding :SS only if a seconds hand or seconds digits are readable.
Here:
4:26:38
